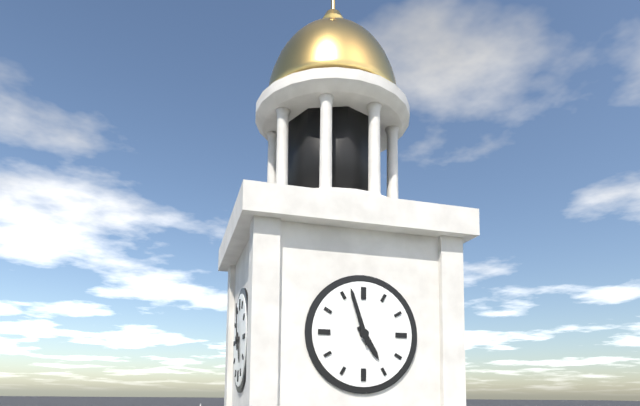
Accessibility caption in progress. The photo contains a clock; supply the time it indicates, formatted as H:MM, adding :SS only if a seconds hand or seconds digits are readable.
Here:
4:57
